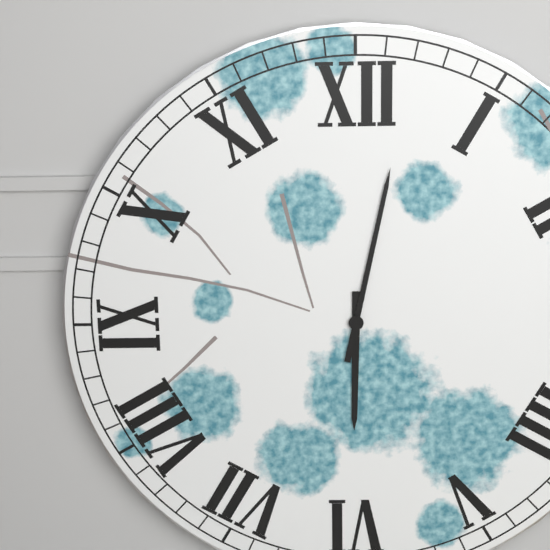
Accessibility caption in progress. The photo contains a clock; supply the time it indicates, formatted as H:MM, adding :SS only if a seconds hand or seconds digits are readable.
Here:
6:02
